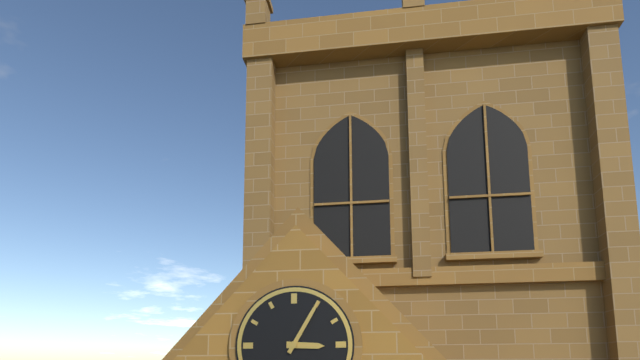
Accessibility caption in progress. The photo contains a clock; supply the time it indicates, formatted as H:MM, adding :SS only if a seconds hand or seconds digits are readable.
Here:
3:05
